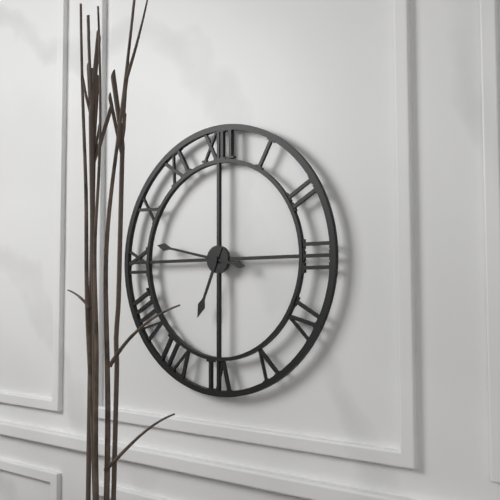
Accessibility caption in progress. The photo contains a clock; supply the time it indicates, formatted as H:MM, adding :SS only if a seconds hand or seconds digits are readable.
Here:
6:47
